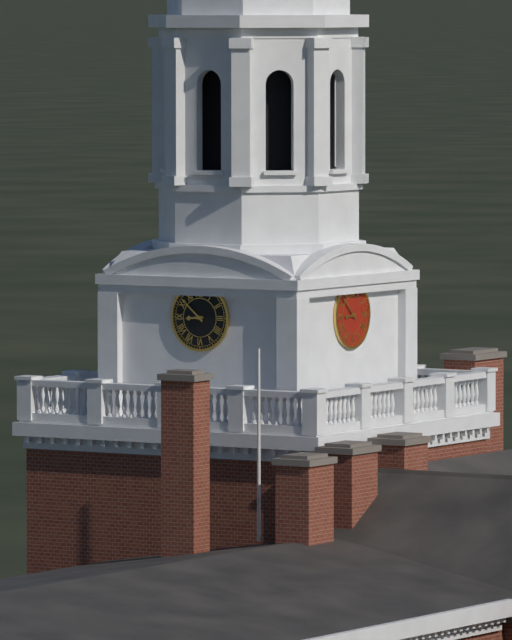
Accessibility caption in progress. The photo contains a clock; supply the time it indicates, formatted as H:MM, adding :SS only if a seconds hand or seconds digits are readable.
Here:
8:52
